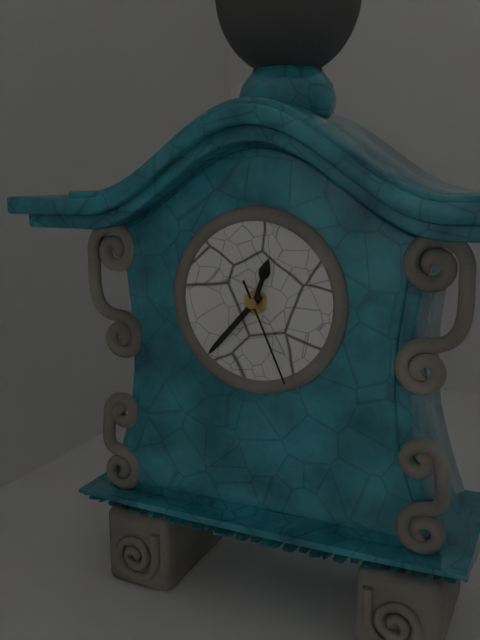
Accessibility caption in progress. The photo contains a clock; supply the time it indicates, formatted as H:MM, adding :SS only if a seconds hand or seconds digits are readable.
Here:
12:37:26
